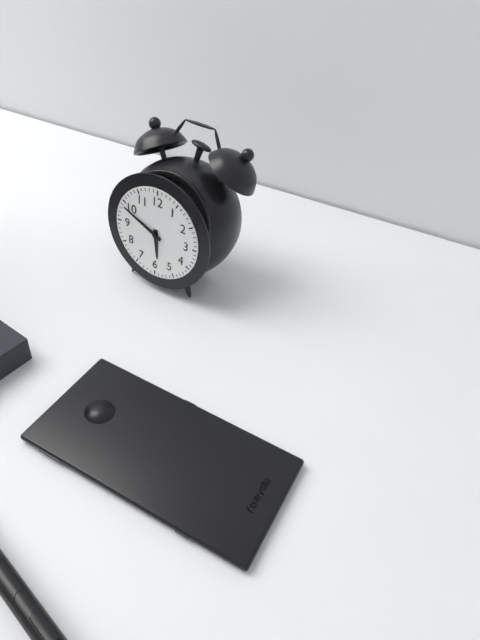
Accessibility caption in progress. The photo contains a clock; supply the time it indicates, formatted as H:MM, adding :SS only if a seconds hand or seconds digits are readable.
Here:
5:49
